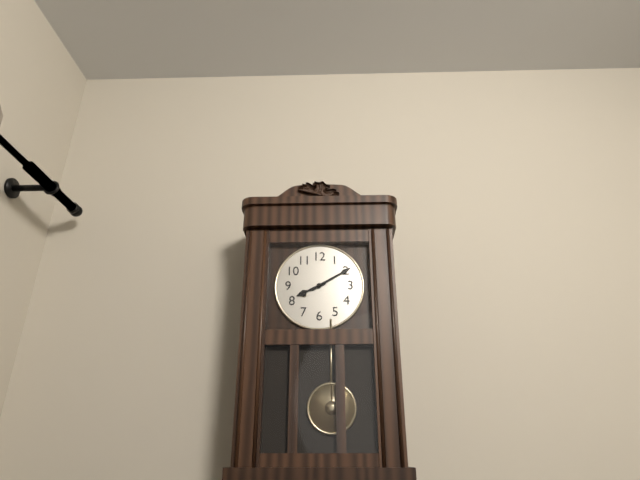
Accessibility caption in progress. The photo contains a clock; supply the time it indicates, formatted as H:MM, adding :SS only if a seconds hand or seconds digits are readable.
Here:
8:10
